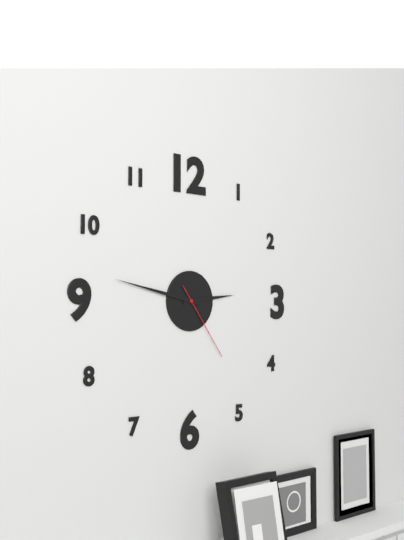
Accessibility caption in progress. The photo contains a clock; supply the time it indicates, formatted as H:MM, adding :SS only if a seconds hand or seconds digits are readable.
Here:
2:47:24
